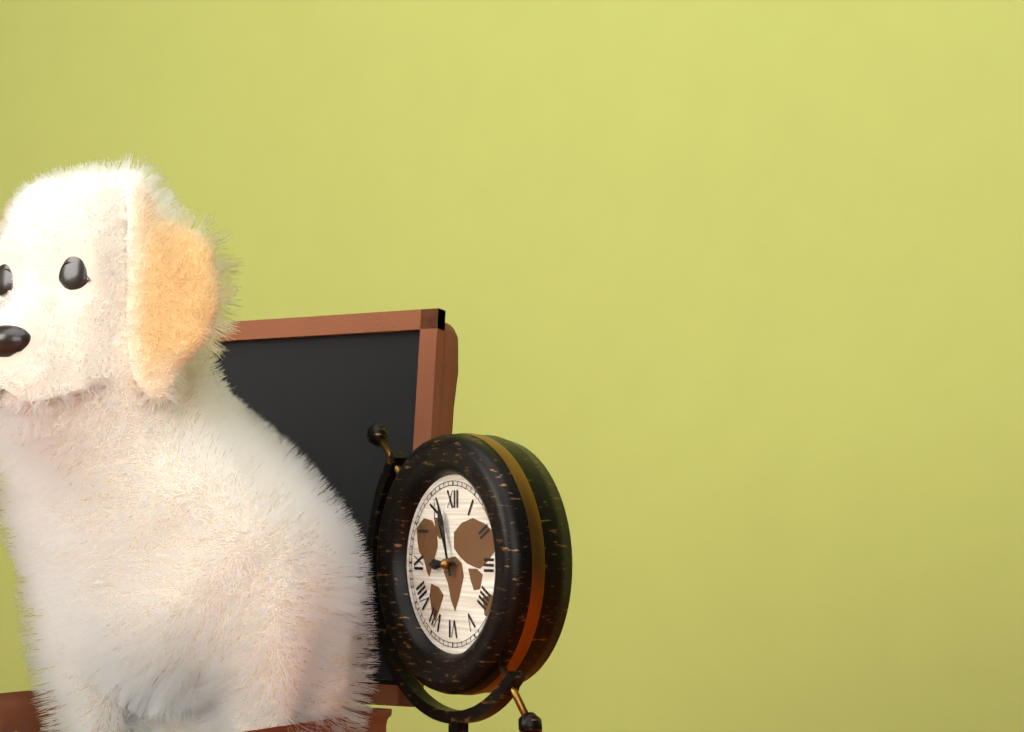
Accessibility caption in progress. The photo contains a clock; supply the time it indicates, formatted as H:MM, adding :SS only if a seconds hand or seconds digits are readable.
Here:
8:57
